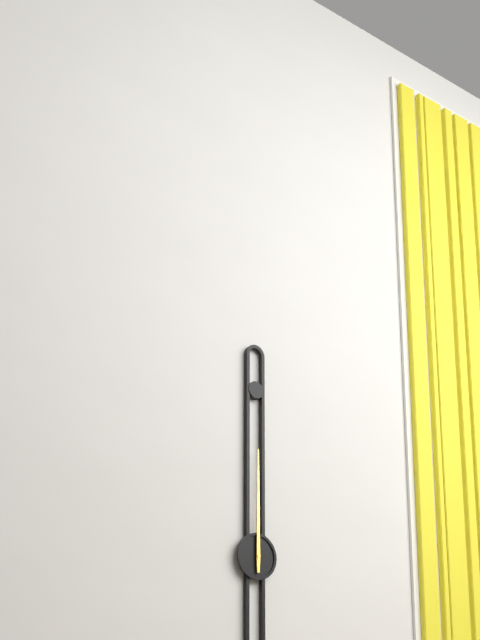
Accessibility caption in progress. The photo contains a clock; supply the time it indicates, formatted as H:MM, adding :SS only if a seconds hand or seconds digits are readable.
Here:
12:00
